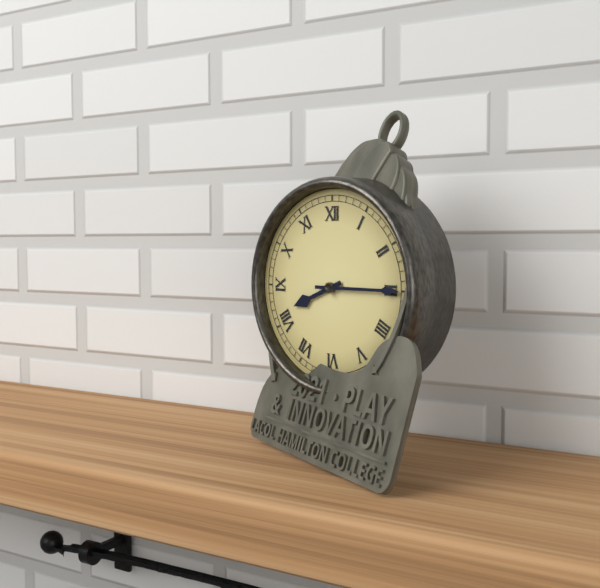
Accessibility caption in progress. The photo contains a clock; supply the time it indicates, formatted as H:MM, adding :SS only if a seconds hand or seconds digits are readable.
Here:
8:15
